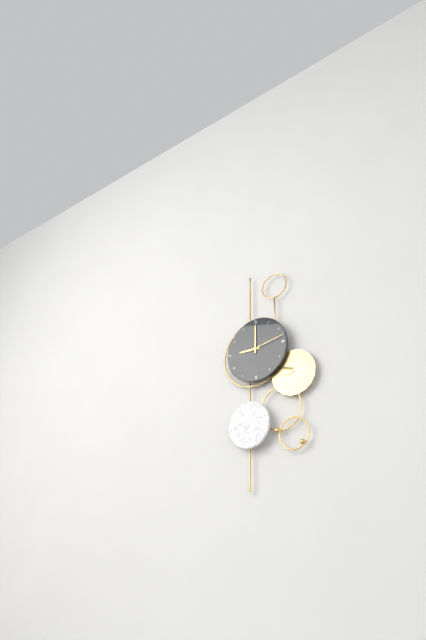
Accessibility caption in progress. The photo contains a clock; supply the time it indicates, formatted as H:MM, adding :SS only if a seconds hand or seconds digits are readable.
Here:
9:00
